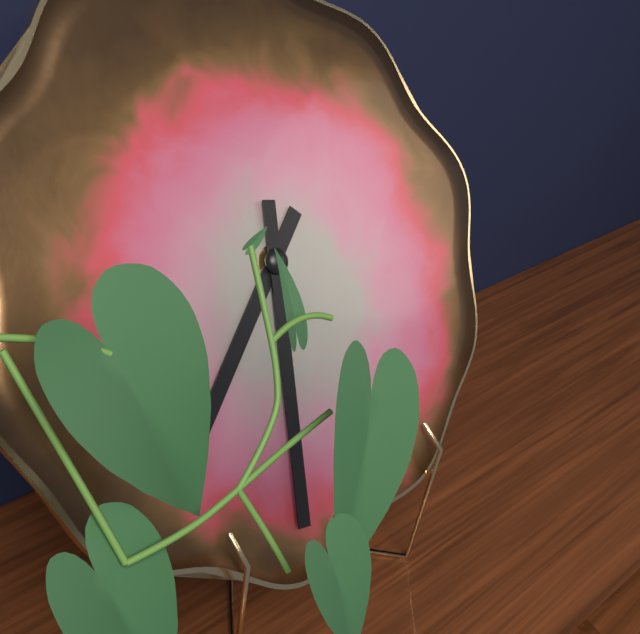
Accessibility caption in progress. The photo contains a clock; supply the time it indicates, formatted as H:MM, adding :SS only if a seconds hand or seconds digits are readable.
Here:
7:32
